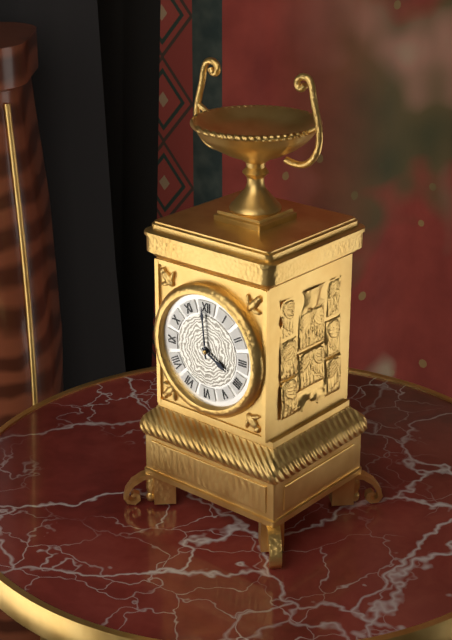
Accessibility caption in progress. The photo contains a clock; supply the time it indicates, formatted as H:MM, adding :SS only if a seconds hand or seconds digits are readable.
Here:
3:59
